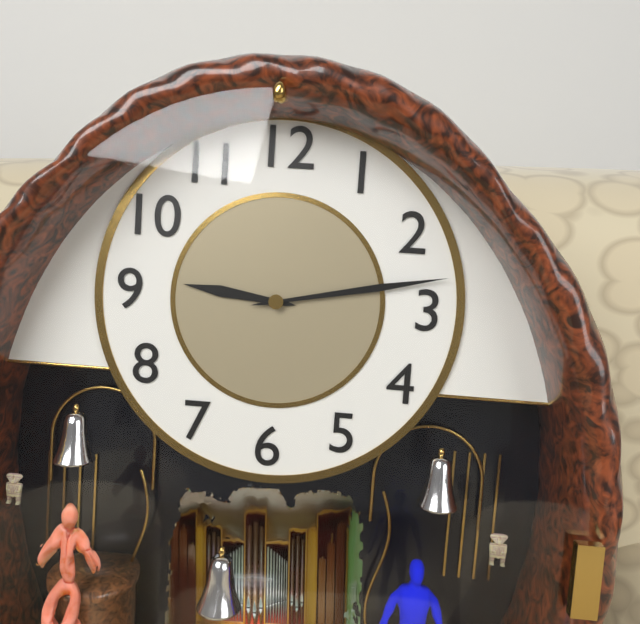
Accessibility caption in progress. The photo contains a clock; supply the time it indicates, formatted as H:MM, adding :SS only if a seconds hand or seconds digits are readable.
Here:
9:13
